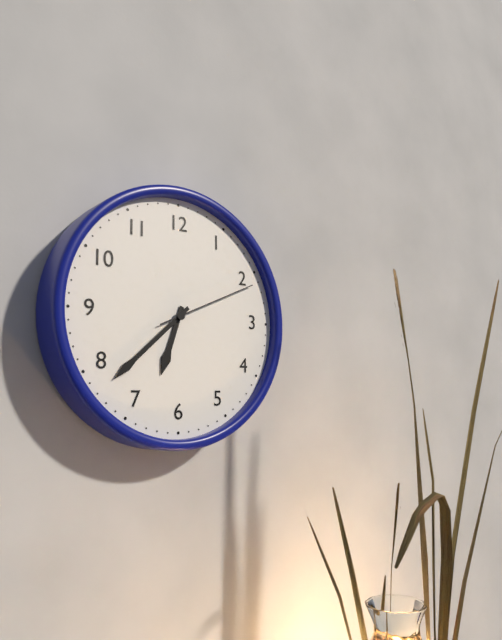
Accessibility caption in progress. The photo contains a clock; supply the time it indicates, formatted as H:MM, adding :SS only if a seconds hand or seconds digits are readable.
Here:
6:38:11
